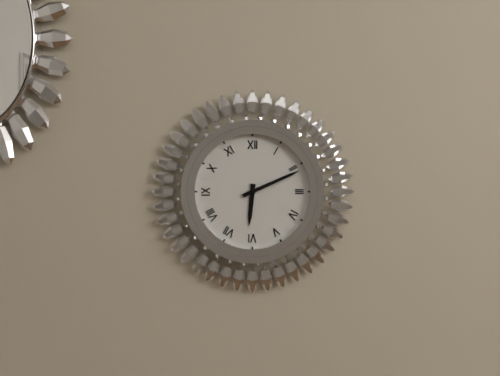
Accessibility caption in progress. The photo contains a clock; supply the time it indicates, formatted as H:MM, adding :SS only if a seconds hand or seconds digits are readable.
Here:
6:11
